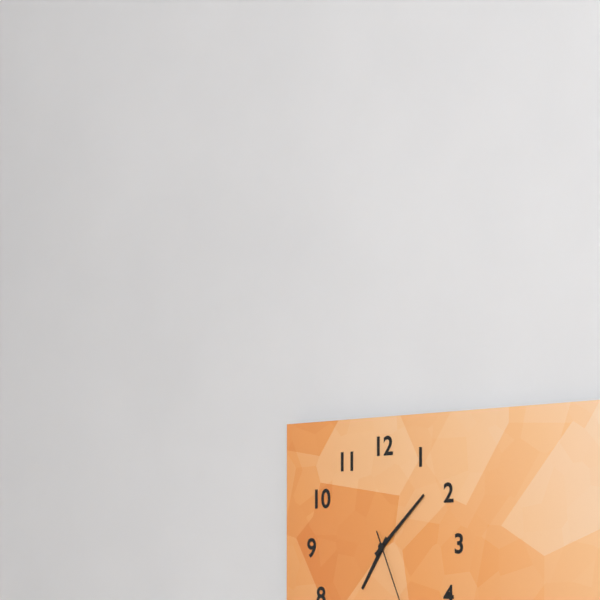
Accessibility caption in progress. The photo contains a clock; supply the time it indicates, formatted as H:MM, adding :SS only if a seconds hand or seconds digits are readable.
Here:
7:08
